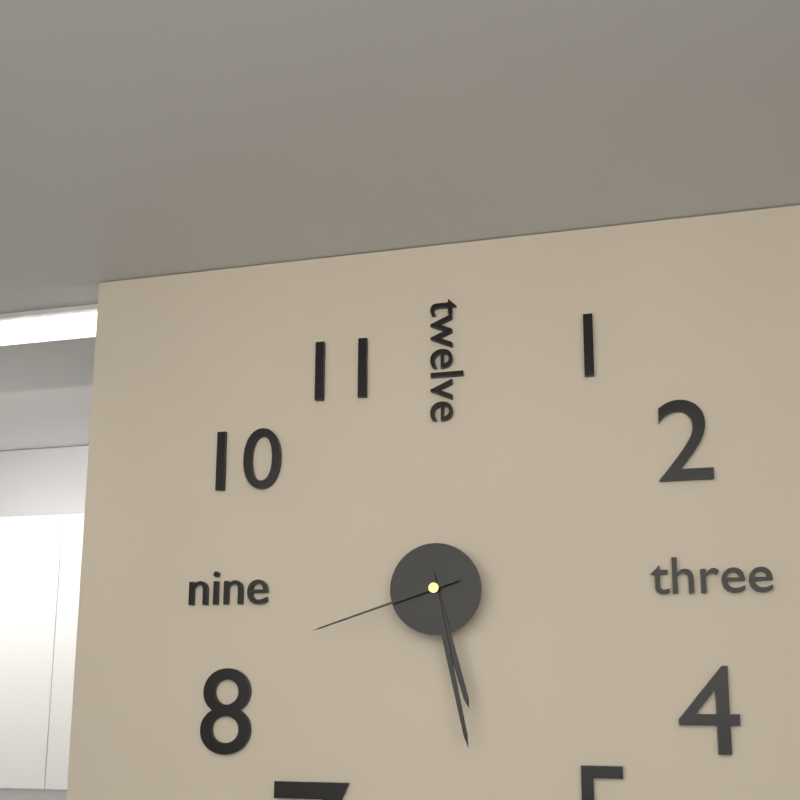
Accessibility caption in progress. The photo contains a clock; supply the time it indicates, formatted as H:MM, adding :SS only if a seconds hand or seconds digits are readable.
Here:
5:28:42
